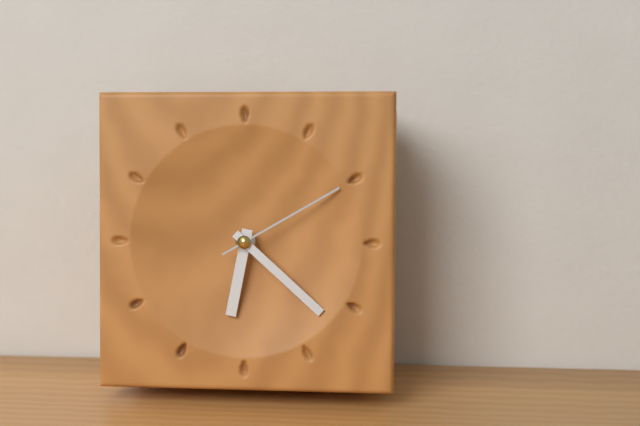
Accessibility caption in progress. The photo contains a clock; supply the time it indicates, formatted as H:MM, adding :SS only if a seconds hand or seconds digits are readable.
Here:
6:22:10
